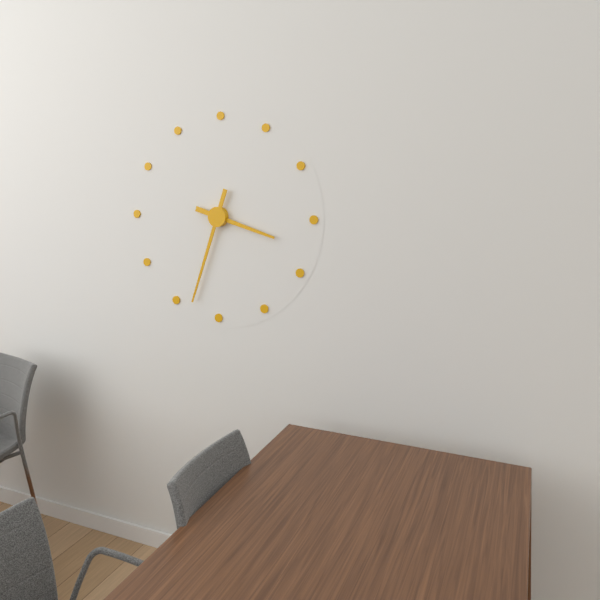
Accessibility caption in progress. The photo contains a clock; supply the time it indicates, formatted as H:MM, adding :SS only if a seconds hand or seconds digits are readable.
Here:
3:33
